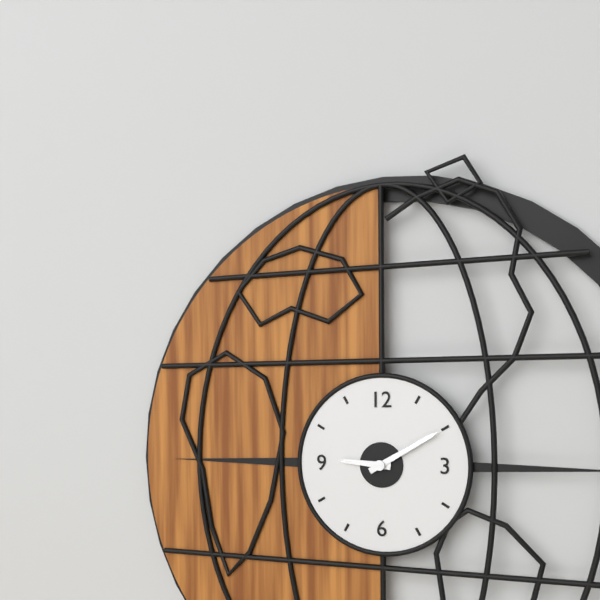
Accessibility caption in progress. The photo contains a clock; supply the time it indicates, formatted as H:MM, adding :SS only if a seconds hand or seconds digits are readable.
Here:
9:10
